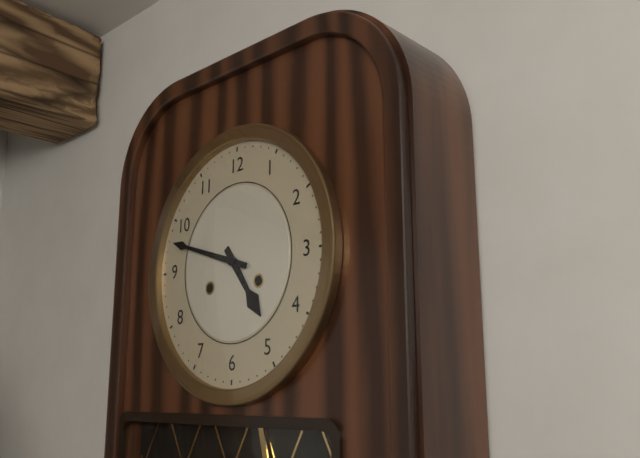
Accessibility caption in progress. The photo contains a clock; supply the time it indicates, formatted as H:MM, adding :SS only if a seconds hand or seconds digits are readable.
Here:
4:48
